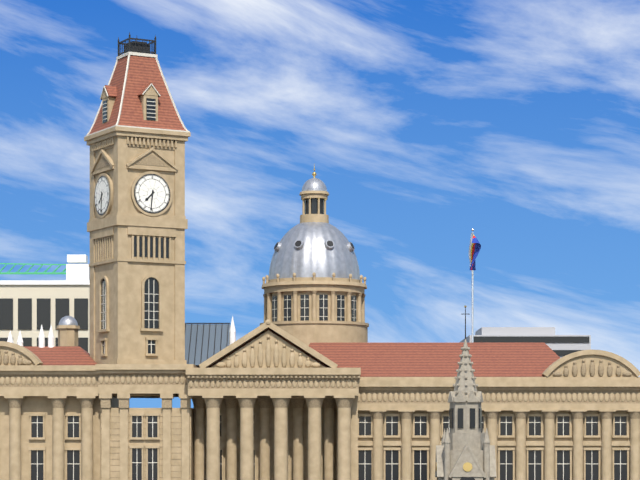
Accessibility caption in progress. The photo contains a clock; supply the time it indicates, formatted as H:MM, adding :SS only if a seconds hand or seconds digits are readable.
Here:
7:31
